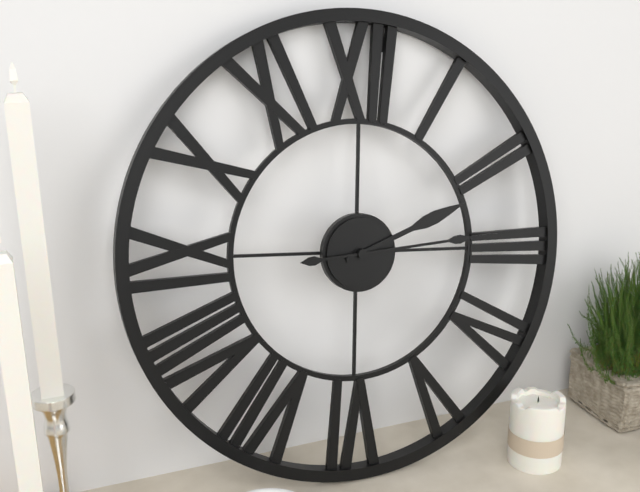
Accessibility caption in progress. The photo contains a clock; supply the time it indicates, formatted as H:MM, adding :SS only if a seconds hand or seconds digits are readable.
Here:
2:14
